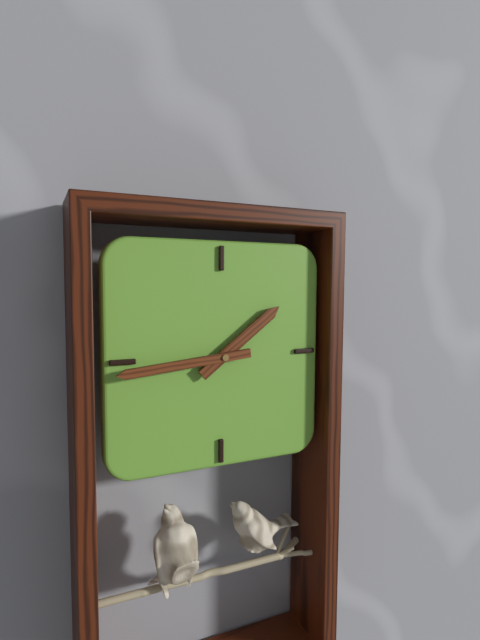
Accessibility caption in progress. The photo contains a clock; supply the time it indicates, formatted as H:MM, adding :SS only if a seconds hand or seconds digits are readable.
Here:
1:44
